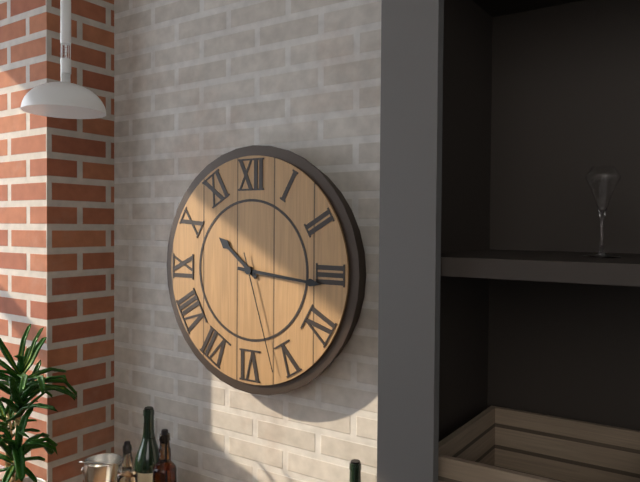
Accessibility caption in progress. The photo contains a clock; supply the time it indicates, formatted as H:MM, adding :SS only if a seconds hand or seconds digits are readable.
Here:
10:16:27
